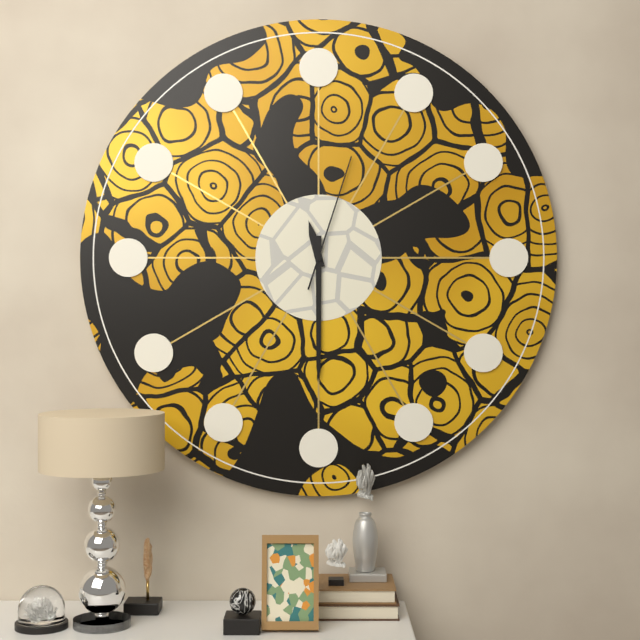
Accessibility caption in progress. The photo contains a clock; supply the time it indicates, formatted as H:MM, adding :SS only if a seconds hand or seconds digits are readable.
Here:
11:30:03
